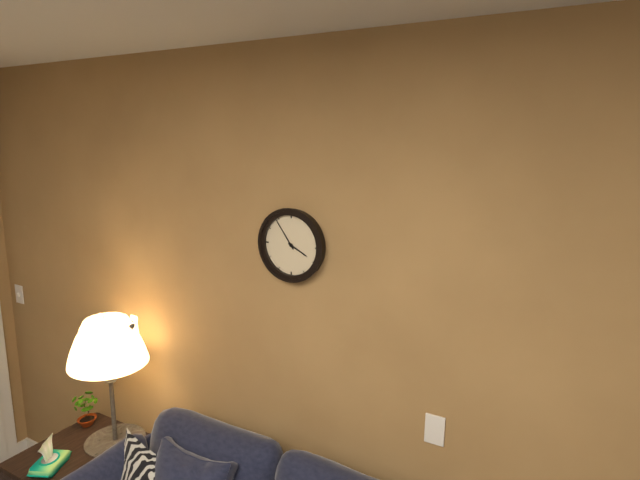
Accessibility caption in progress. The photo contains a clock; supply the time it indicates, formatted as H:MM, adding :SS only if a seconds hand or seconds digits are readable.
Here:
3:54
